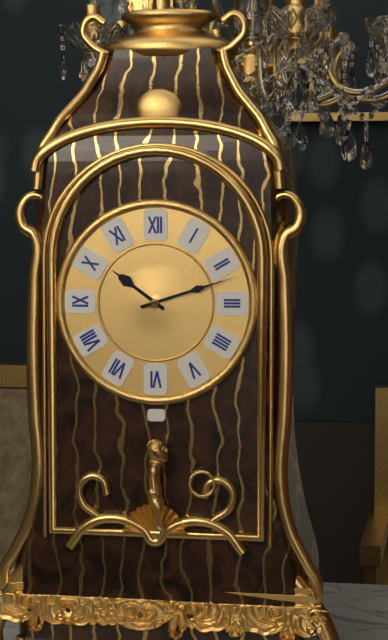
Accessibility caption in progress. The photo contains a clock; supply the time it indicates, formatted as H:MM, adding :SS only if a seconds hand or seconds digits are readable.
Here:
10:12
